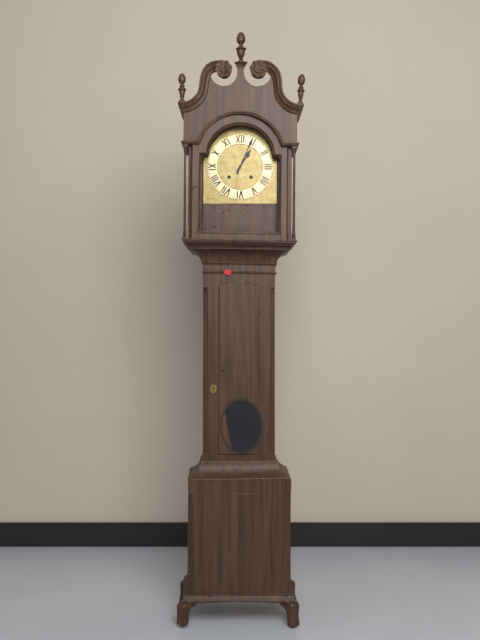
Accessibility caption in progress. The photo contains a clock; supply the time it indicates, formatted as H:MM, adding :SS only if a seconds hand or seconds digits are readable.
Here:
1:04
